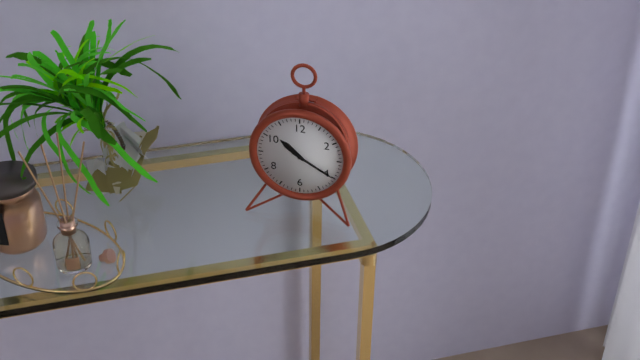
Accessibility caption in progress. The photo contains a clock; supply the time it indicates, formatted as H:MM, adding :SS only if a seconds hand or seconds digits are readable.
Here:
10:20
